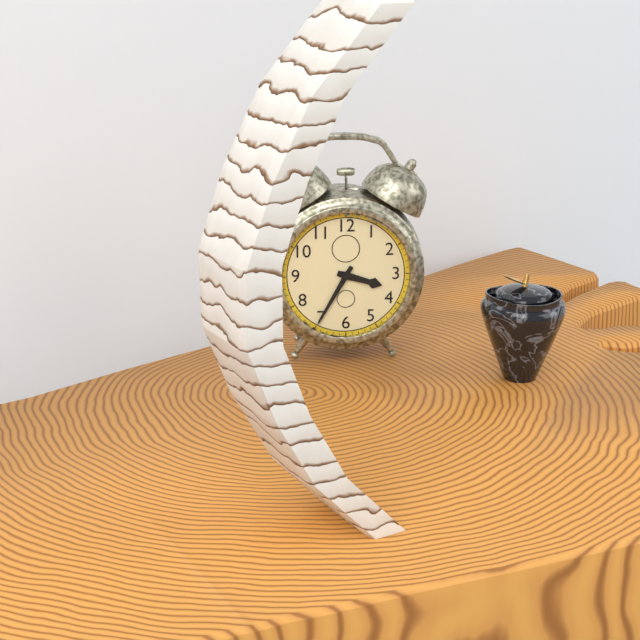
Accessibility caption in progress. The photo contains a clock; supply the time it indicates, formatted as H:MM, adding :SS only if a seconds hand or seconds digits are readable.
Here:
3:35
